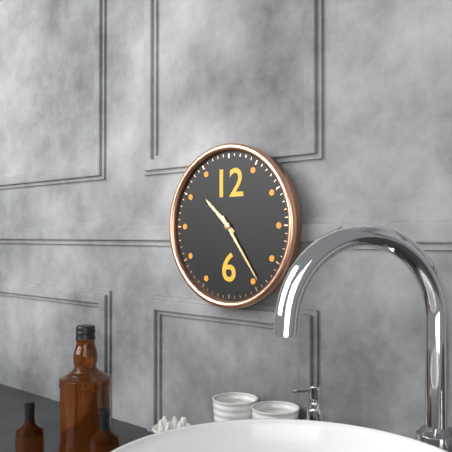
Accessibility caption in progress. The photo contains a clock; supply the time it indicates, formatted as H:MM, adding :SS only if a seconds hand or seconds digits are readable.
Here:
10:24
